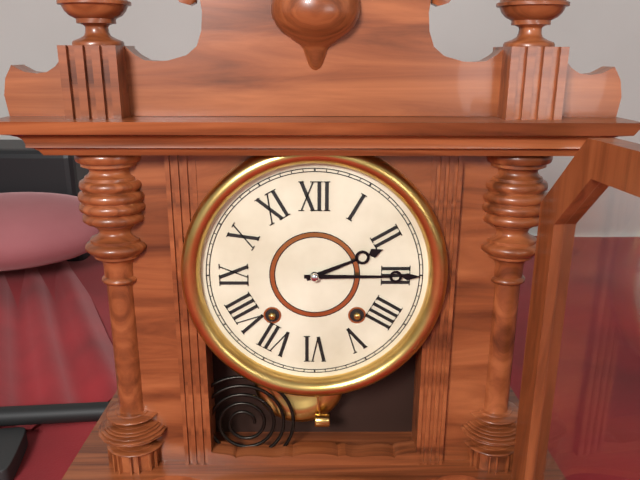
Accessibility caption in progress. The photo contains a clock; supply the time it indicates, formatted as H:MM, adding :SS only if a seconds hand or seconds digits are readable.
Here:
2:15
